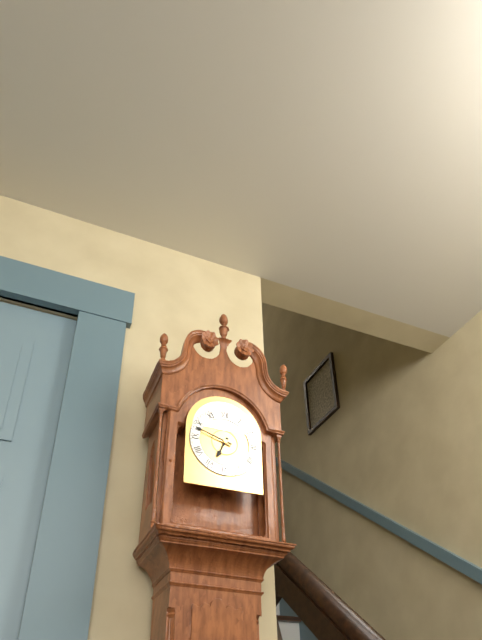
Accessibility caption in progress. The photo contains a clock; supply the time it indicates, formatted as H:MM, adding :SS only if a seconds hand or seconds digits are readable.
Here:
6:48
